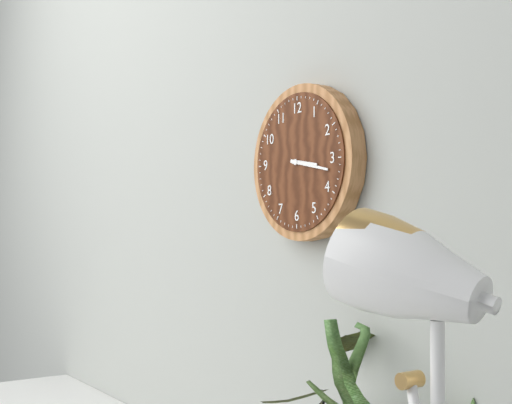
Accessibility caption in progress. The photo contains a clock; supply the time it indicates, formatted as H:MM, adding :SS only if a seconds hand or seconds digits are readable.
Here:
3:17
